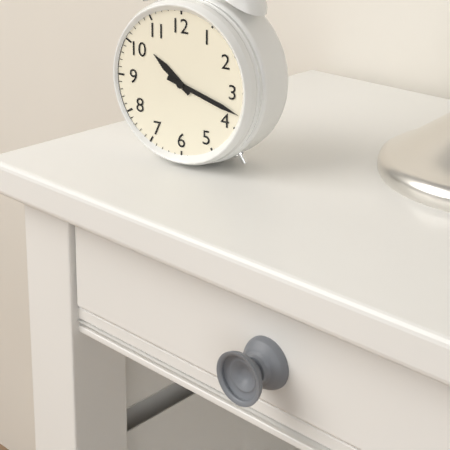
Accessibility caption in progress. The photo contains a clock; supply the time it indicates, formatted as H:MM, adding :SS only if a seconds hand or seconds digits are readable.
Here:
10:18
